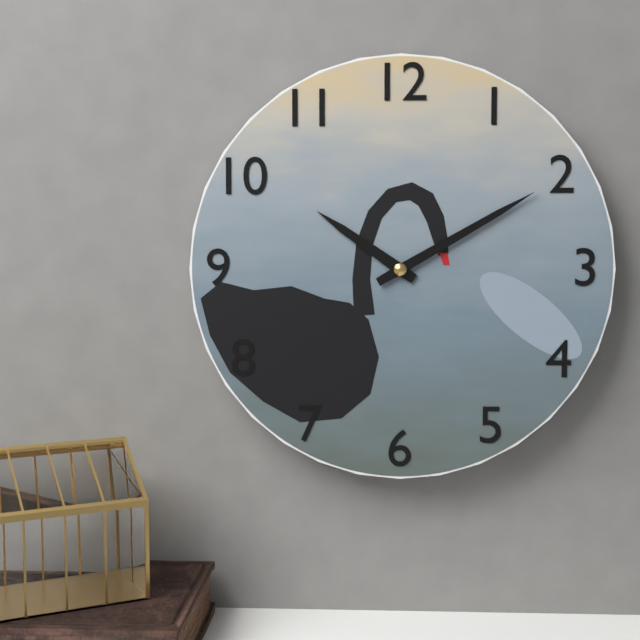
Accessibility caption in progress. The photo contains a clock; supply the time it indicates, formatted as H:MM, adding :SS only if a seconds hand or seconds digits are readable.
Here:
10:10
